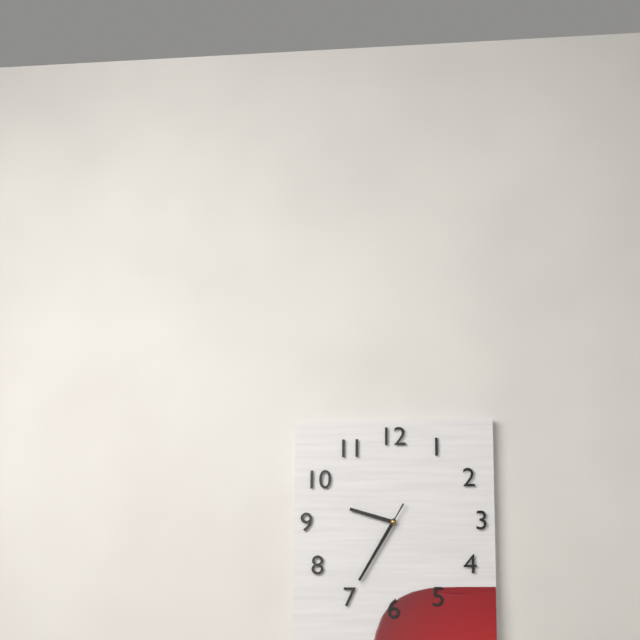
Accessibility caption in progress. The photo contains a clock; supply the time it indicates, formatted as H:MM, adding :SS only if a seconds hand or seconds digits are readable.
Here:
9:35:35
